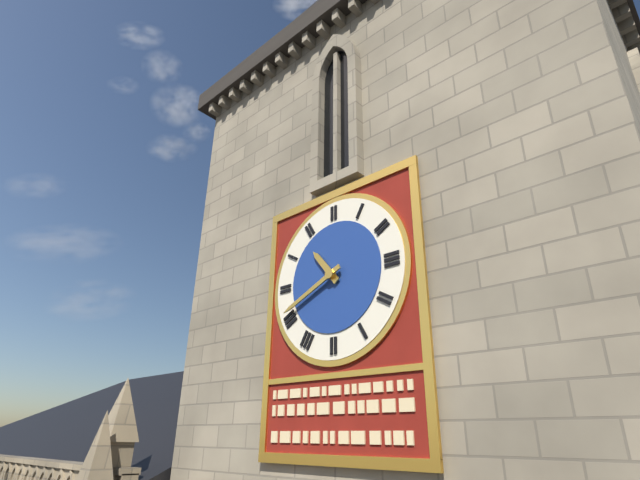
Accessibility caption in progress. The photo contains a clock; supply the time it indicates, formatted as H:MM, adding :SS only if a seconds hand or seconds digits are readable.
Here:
10:41
